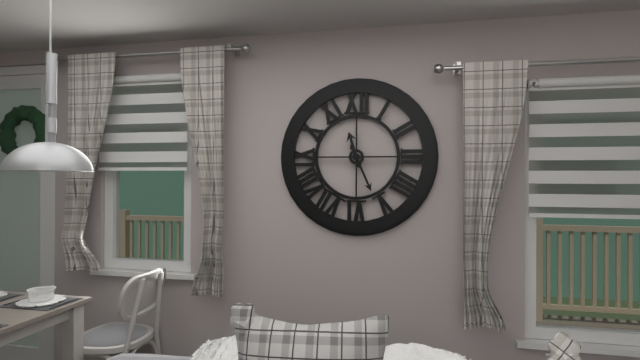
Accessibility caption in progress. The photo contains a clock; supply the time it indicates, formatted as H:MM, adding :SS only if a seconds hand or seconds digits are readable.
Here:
11:26
